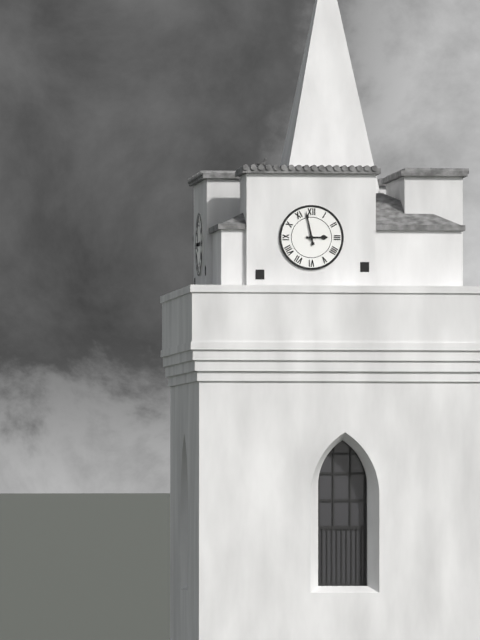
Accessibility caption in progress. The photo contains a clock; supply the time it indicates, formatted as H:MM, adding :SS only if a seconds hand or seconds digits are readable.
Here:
2:58
